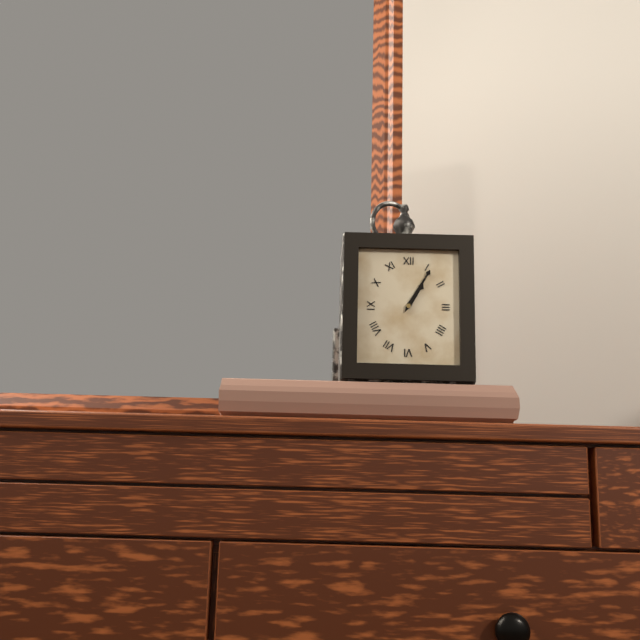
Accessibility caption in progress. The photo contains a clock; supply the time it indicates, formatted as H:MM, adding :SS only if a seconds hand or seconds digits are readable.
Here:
1:05
